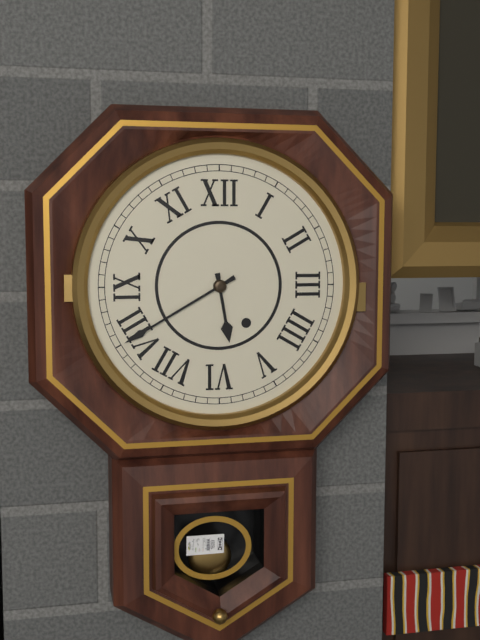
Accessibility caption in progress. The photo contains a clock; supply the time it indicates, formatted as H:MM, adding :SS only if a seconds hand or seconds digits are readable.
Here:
5:40
